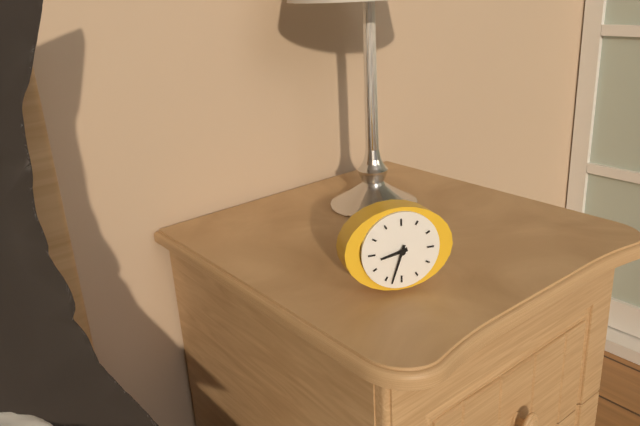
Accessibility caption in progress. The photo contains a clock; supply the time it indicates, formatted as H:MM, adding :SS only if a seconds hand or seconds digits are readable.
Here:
8:33
